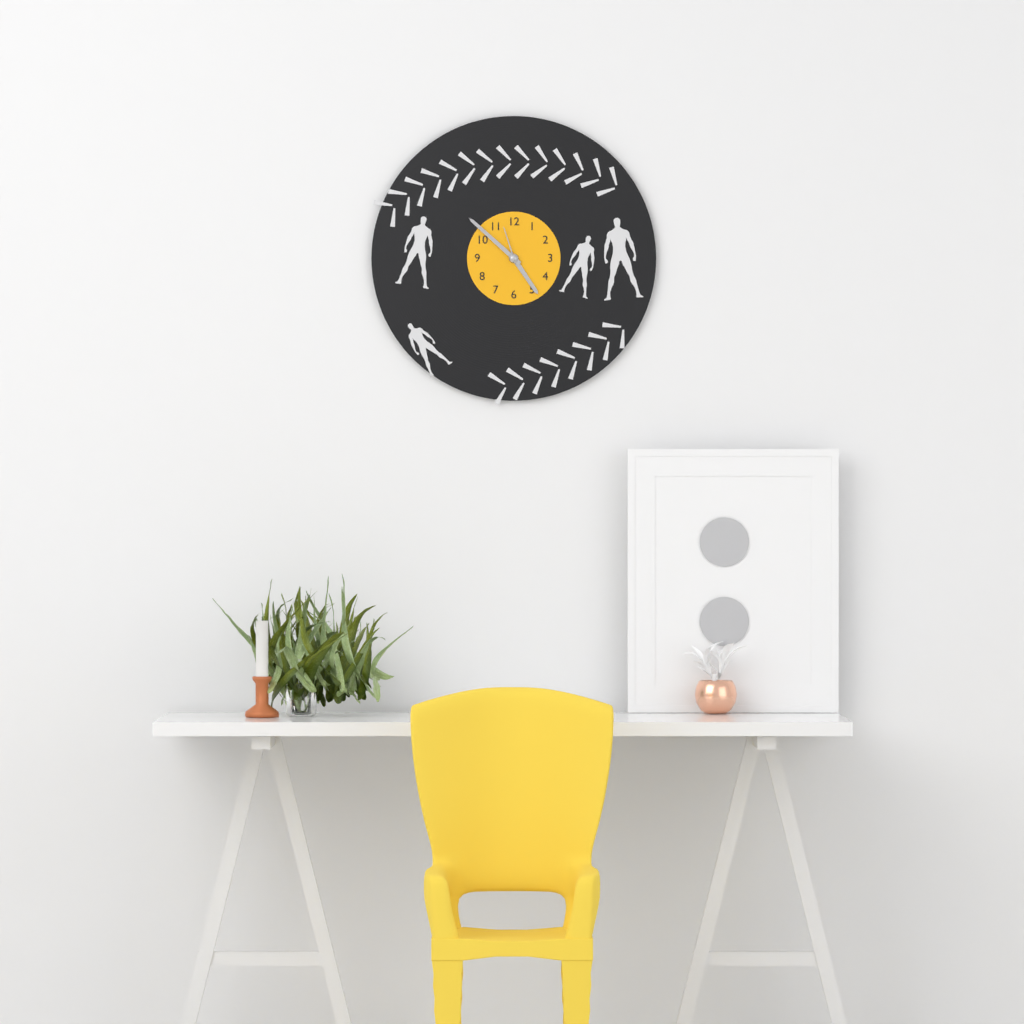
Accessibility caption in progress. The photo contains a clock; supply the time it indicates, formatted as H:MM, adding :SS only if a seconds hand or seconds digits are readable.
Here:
4:52
